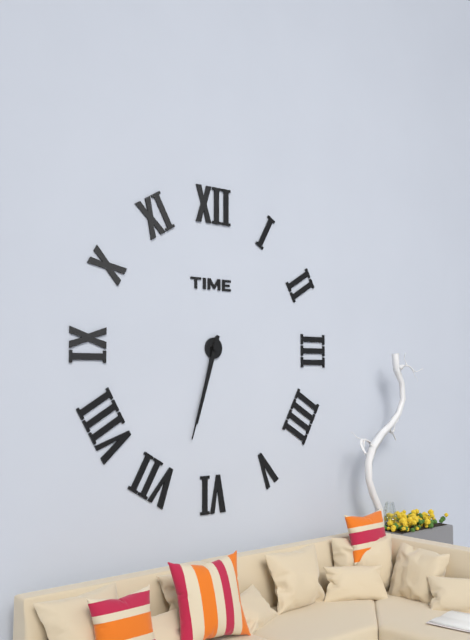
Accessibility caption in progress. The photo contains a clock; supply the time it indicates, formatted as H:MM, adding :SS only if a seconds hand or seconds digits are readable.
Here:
6:33
